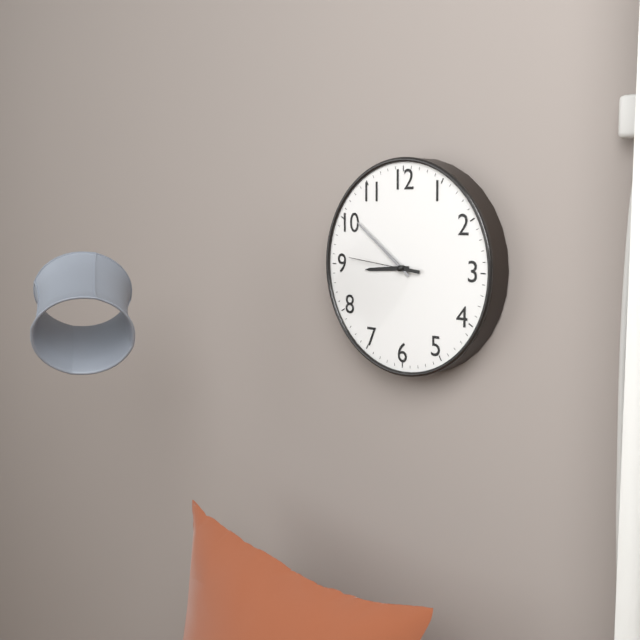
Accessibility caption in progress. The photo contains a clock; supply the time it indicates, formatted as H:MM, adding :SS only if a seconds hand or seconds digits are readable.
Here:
8:51:46
